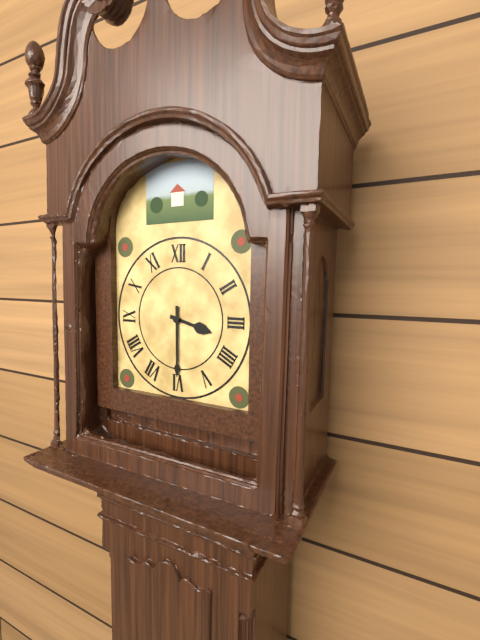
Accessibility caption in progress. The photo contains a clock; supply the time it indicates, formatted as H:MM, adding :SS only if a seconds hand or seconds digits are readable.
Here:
3:30
